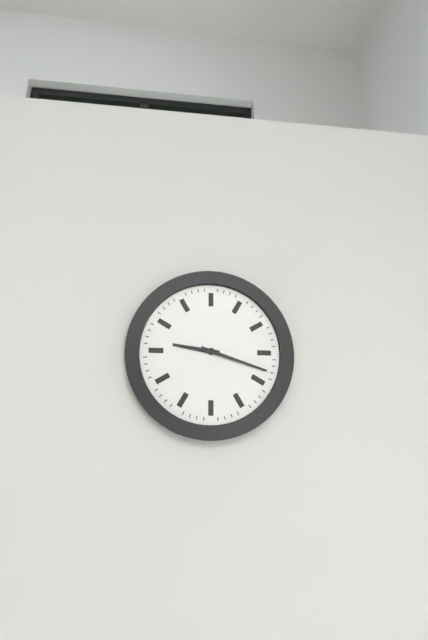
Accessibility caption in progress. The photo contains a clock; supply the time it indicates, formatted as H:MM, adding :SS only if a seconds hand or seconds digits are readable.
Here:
9:18
